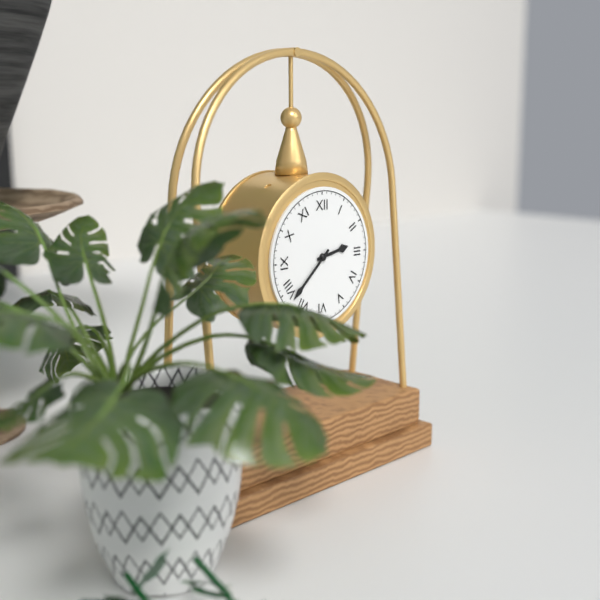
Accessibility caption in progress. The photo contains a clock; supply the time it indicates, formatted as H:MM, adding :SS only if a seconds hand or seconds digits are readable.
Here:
2:38
